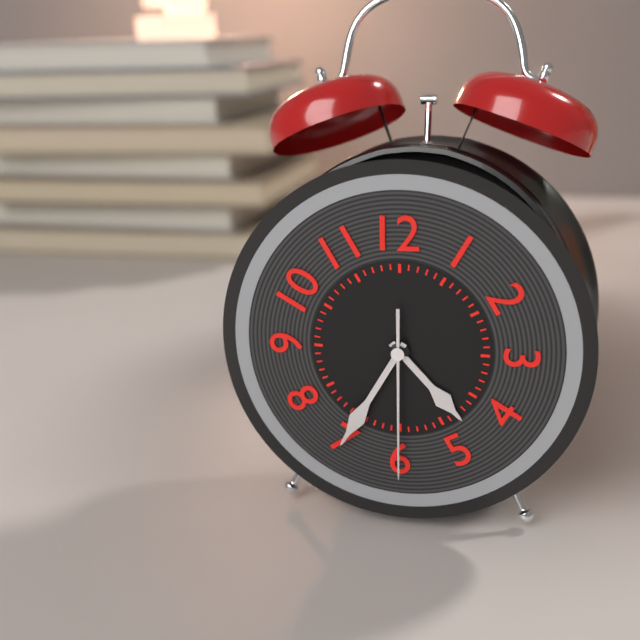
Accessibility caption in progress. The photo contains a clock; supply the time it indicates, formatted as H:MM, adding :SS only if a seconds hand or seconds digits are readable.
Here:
4:35:30
